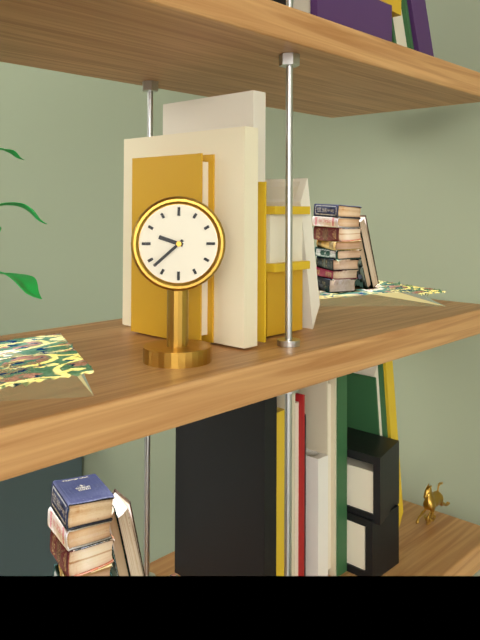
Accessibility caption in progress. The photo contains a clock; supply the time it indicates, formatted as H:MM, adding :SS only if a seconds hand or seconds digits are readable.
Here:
9:38
